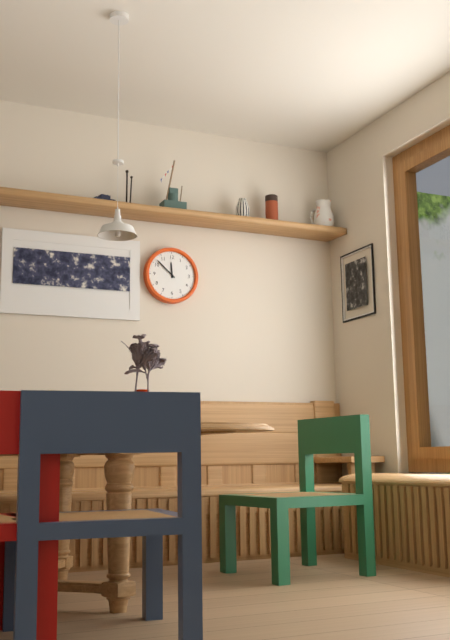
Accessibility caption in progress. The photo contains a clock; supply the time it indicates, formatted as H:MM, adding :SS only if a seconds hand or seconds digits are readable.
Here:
11:52
